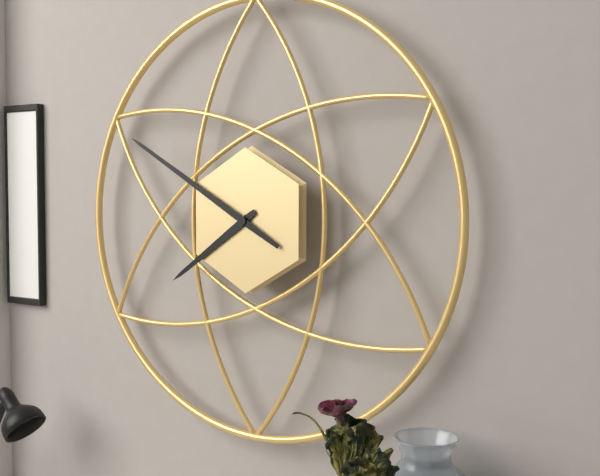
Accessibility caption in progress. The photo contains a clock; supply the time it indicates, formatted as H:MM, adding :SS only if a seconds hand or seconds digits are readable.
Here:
7:50
